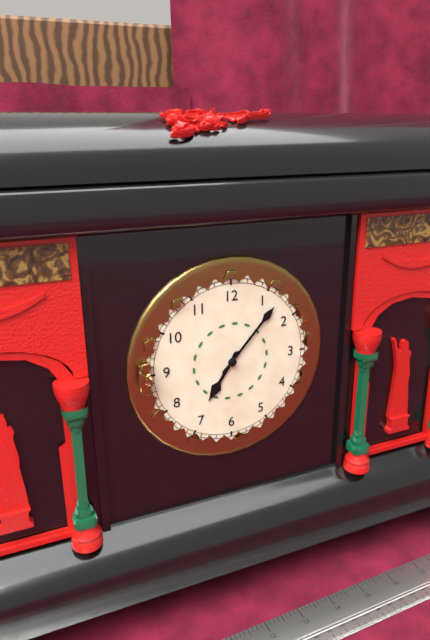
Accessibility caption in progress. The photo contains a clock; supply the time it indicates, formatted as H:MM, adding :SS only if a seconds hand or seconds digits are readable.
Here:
7:07
